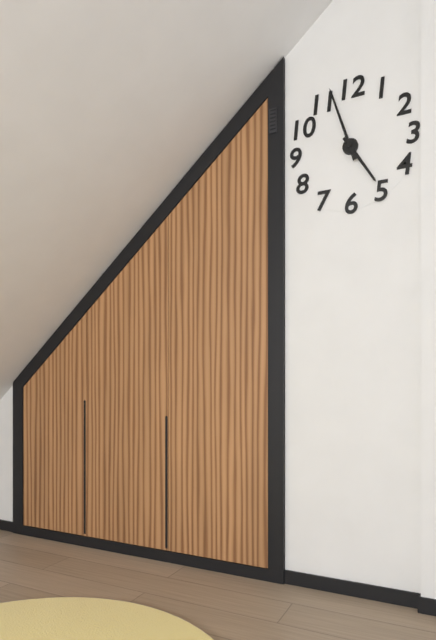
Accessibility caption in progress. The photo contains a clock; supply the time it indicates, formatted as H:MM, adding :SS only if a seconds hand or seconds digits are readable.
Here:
4:57
